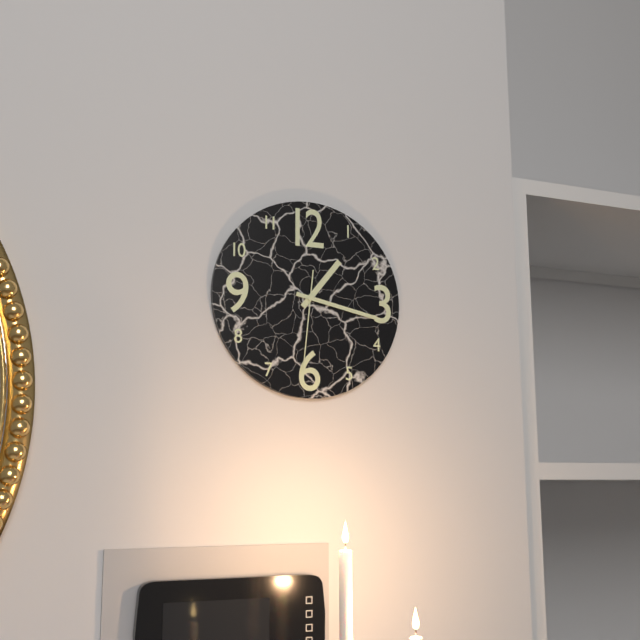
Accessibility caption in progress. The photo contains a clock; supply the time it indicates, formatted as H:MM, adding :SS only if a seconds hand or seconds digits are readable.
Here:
1:17:31
